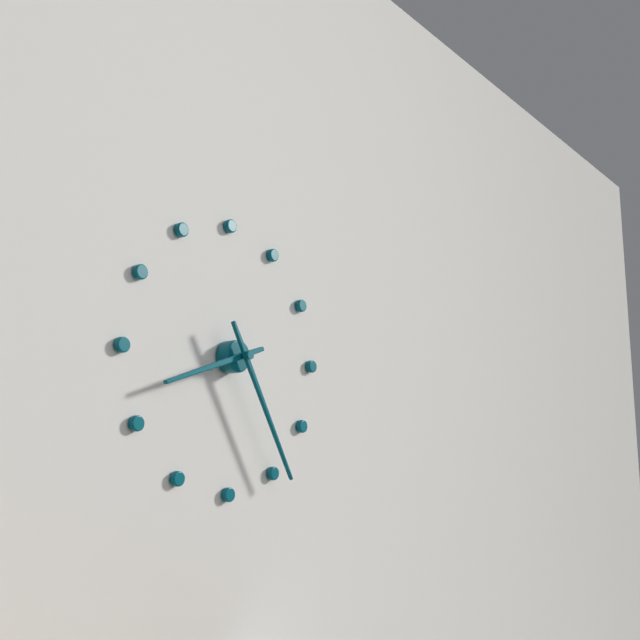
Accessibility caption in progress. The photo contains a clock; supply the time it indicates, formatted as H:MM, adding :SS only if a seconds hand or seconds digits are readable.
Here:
8:25
